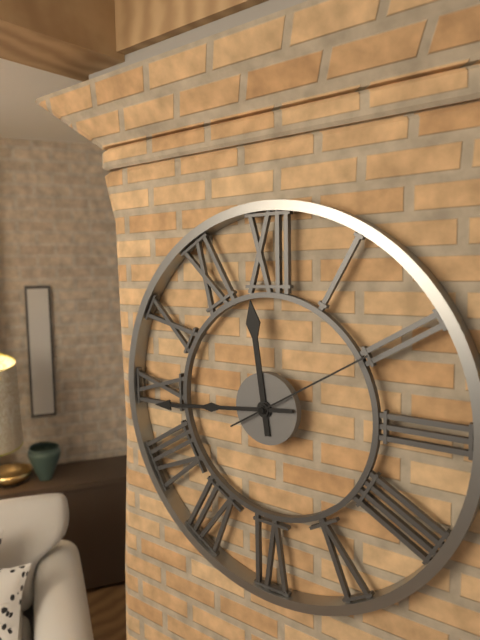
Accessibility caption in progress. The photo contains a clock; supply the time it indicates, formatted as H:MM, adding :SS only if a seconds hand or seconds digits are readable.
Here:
11:44:10
